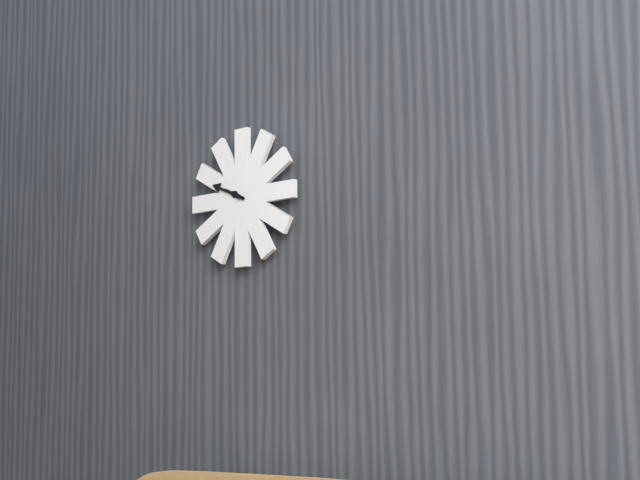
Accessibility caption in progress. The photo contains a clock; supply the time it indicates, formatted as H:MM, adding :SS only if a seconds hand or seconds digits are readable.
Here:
9:49
